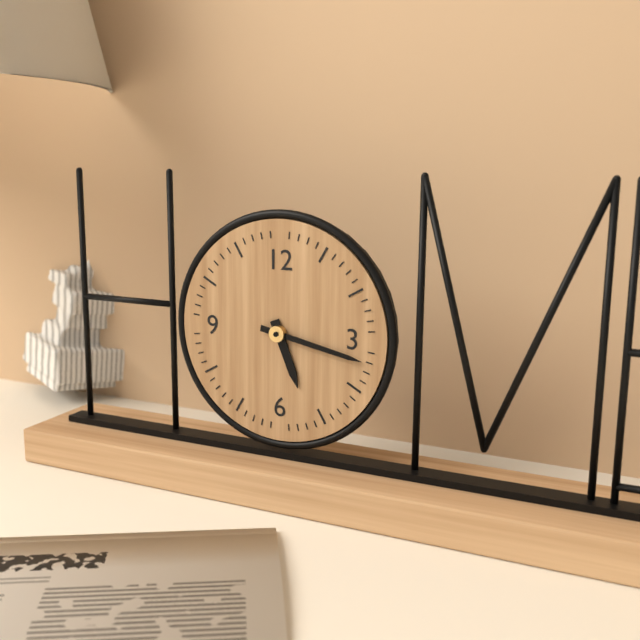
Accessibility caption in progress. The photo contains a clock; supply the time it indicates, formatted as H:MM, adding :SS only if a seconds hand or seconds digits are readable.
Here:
5:17
